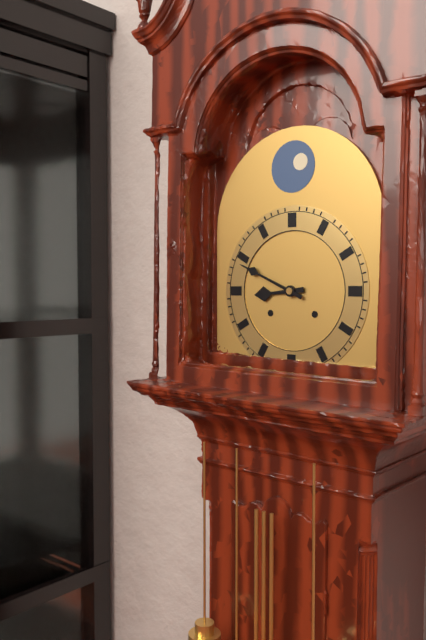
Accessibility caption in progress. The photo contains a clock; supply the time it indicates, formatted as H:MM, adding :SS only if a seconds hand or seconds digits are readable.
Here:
8:49
